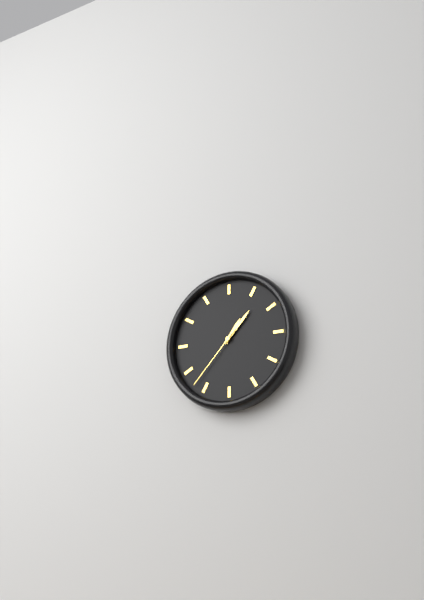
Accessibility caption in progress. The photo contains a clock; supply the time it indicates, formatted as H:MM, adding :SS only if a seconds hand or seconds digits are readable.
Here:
1:07:37
